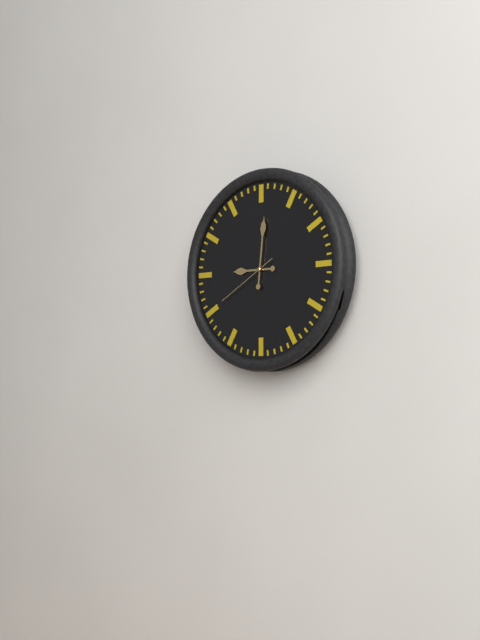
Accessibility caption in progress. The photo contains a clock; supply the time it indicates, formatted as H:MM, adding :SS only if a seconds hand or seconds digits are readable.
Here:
9:01:40
